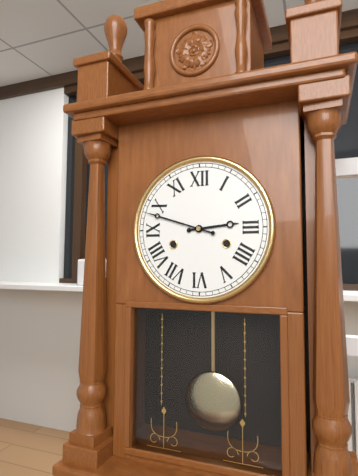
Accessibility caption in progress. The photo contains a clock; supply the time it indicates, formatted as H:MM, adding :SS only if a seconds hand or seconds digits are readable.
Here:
2:48
